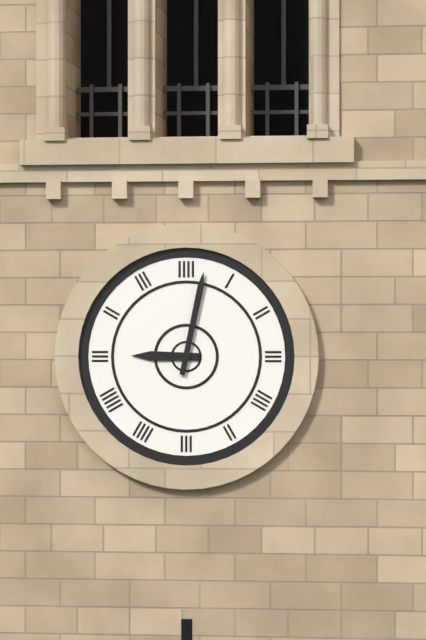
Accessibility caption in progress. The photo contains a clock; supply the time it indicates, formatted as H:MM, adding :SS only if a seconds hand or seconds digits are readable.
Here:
9:02
